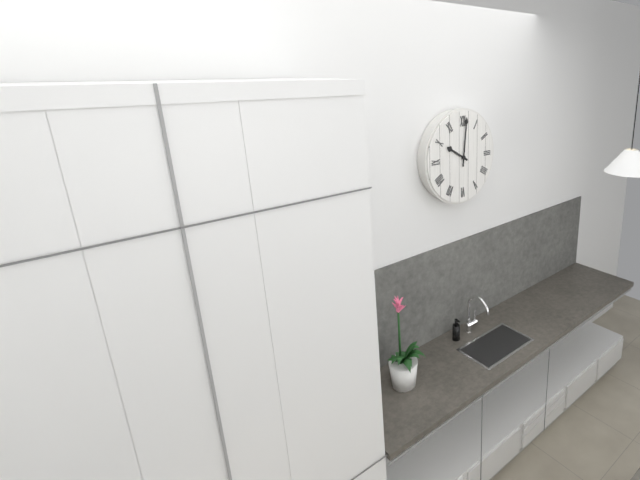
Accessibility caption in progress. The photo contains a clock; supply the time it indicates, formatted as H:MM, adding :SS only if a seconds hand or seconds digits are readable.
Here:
10:01
